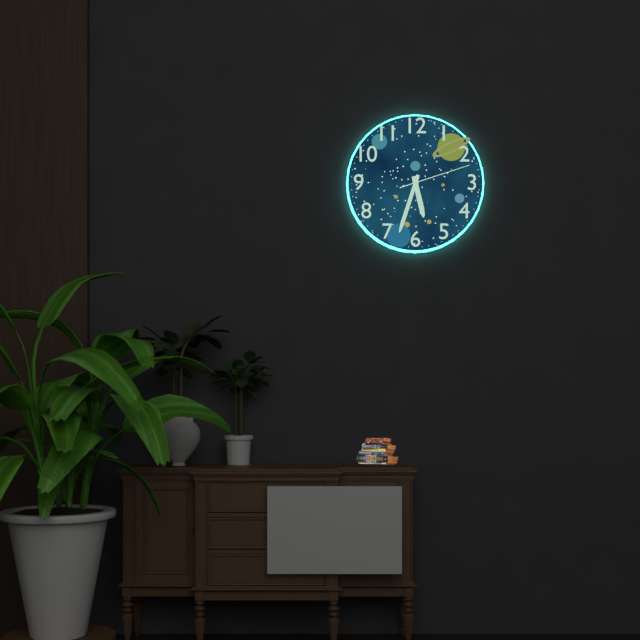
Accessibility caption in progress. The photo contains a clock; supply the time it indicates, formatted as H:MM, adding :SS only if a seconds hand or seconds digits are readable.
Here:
5:33:12
